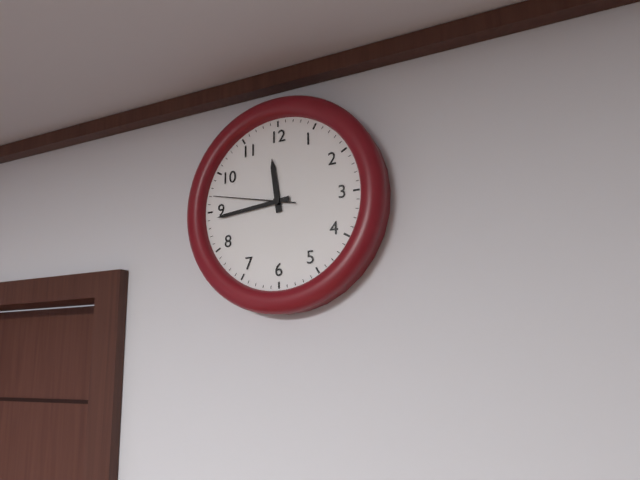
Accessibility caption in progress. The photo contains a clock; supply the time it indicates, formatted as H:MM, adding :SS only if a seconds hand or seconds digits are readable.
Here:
11:44:47
